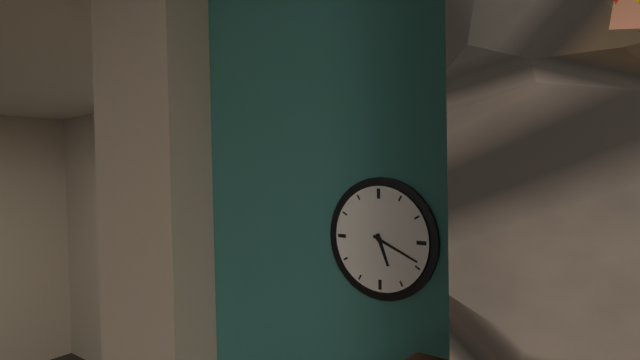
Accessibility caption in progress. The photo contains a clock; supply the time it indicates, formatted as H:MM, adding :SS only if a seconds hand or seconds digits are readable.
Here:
5:19
